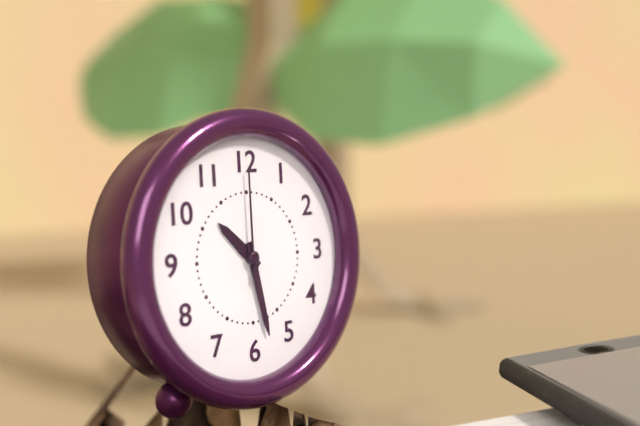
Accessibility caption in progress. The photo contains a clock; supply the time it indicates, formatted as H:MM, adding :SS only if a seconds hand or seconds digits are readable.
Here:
10:28:00
